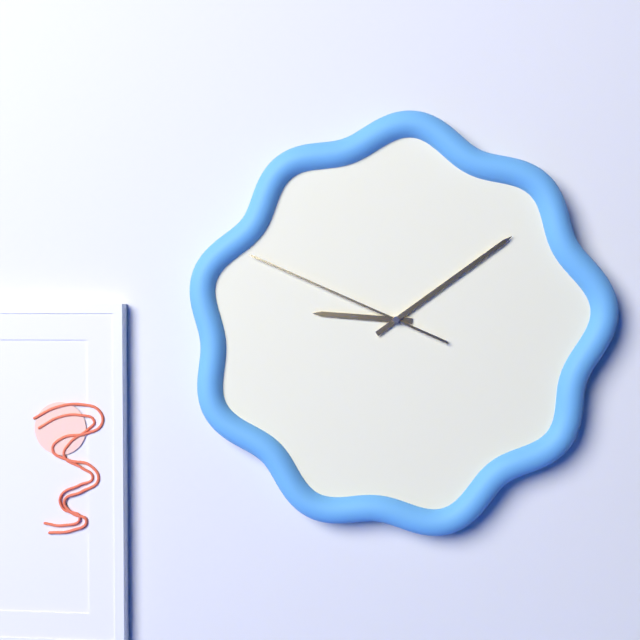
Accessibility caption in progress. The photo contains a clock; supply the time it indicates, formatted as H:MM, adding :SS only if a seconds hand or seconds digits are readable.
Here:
9:09:49
